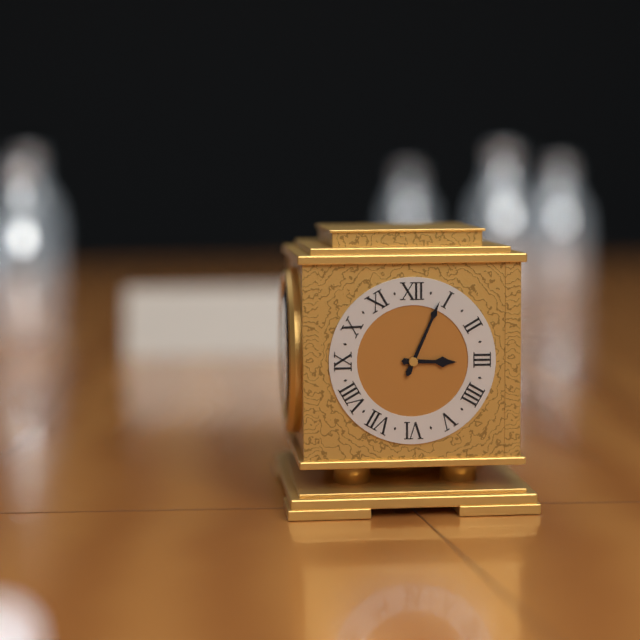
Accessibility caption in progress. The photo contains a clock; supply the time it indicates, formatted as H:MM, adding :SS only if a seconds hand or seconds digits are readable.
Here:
3:04
